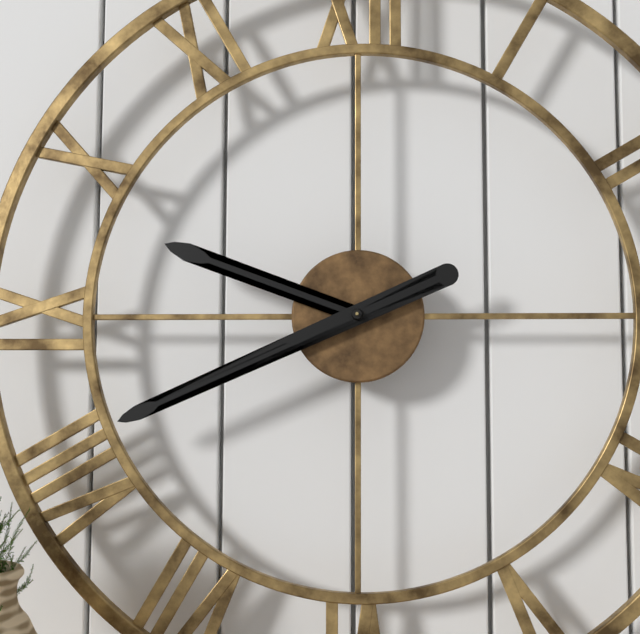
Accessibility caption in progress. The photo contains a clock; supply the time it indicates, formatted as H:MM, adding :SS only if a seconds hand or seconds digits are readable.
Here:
9:41
